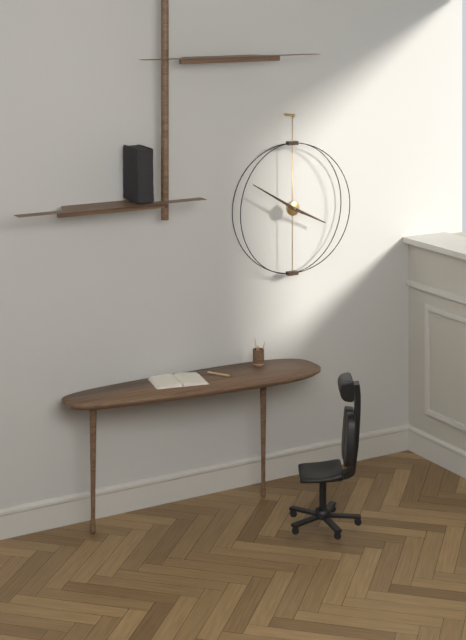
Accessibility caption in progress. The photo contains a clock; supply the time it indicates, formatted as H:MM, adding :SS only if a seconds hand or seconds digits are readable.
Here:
3:50
